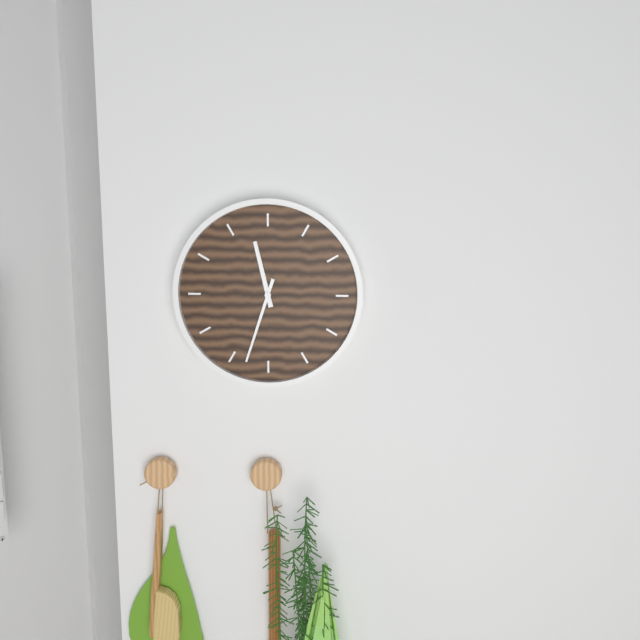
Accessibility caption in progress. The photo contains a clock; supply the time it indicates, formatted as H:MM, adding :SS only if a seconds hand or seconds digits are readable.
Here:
11:33
